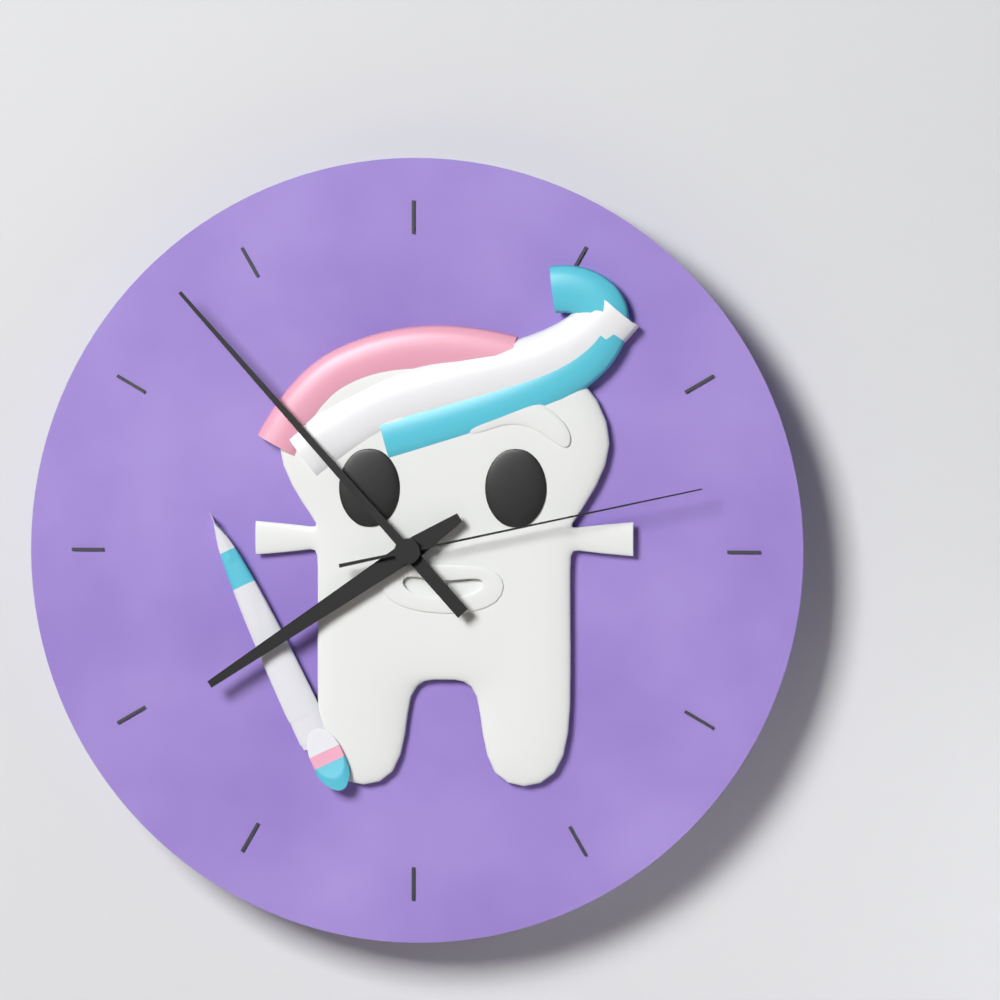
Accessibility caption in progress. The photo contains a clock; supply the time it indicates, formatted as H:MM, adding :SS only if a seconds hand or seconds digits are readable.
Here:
7:53:13
